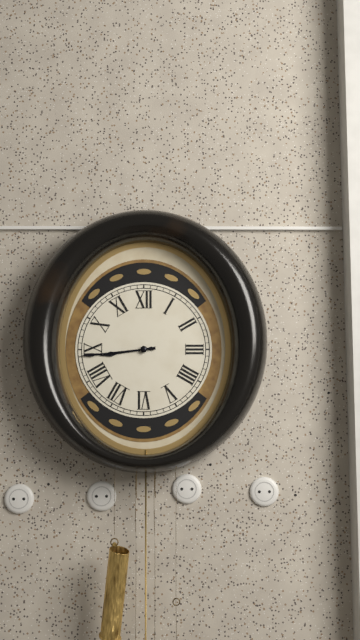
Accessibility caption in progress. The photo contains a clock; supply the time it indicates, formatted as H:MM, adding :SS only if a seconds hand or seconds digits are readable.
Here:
8:44
